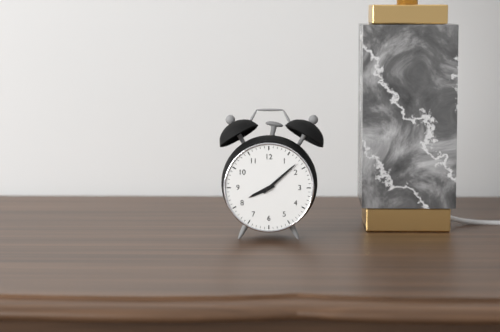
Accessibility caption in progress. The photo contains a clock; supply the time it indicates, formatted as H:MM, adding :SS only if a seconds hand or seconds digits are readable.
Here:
8:08
